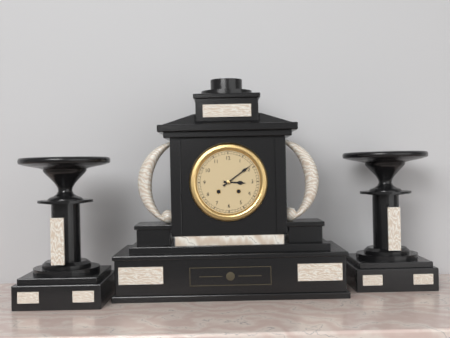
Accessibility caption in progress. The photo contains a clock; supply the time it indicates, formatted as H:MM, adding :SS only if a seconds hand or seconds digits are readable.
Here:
3:09
